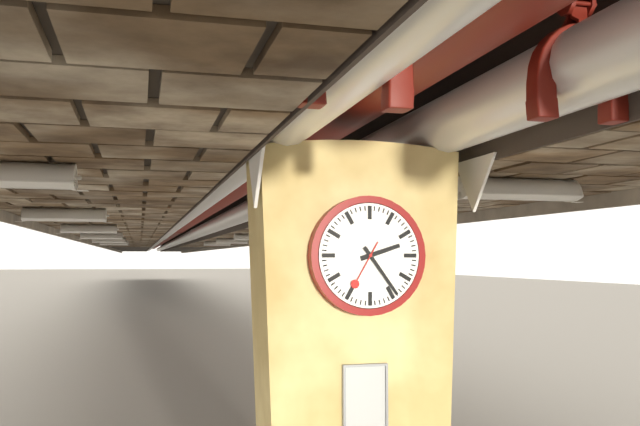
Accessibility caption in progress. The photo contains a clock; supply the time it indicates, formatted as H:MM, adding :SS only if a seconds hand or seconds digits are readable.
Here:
2:24
